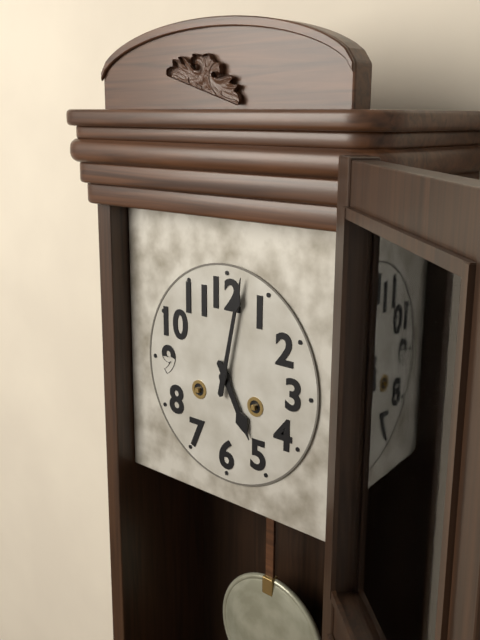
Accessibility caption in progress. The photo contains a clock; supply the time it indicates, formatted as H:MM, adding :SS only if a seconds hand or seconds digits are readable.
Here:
5:02
